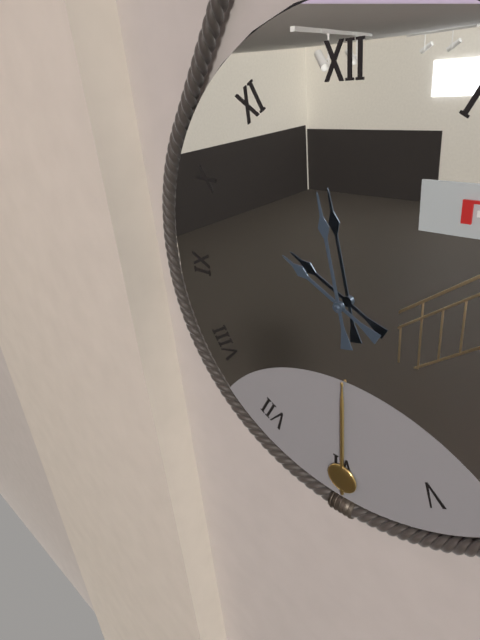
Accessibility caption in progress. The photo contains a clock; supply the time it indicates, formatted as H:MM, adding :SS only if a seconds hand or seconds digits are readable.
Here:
9:58
